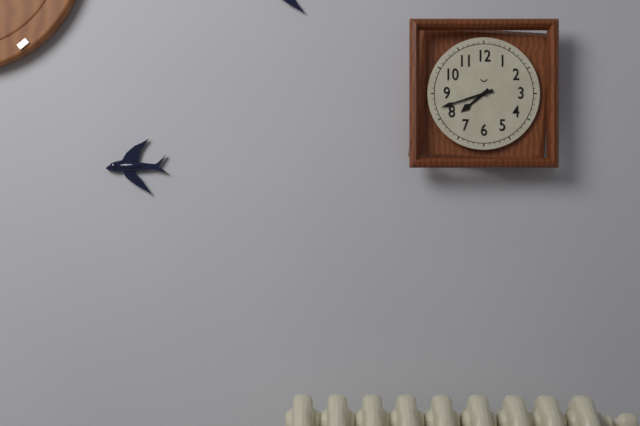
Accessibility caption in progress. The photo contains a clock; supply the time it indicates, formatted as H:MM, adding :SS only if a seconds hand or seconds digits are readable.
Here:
7:42
